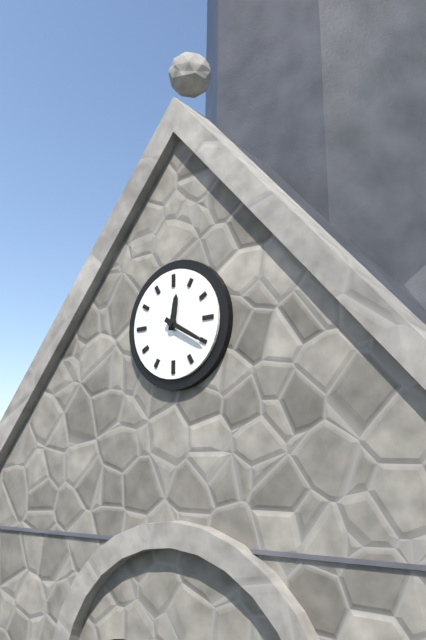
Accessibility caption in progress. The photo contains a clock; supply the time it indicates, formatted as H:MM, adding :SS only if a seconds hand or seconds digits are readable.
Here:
12:20
